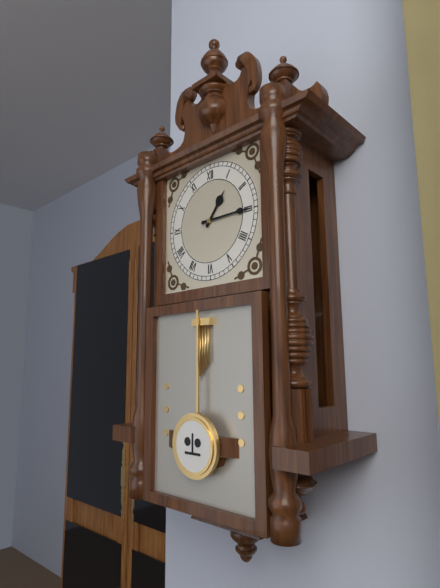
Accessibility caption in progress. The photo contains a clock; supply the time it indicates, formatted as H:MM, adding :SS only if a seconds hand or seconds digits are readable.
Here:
1:15
